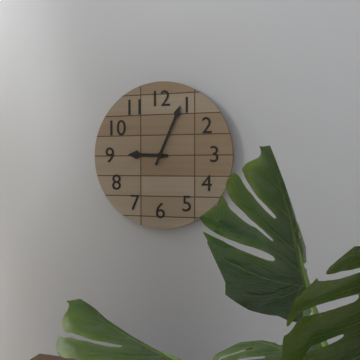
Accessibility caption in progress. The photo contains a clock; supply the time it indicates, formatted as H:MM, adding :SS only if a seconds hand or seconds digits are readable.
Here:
9:04
